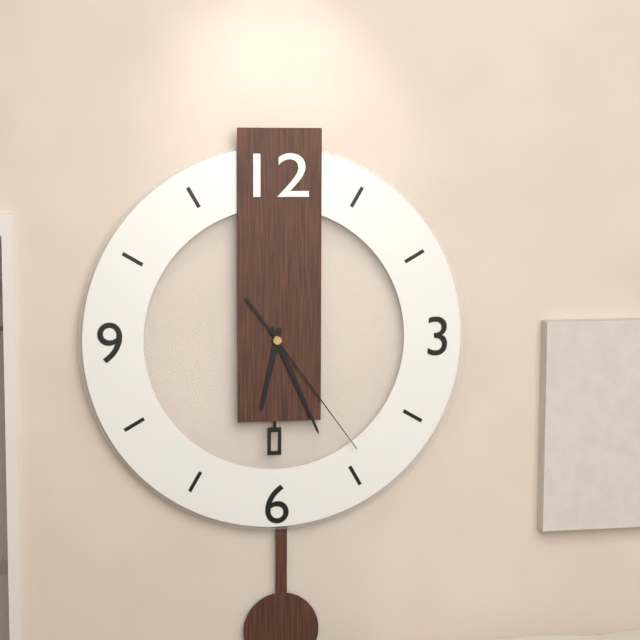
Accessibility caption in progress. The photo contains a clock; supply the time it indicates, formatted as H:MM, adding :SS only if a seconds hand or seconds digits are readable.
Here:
6:26:24
